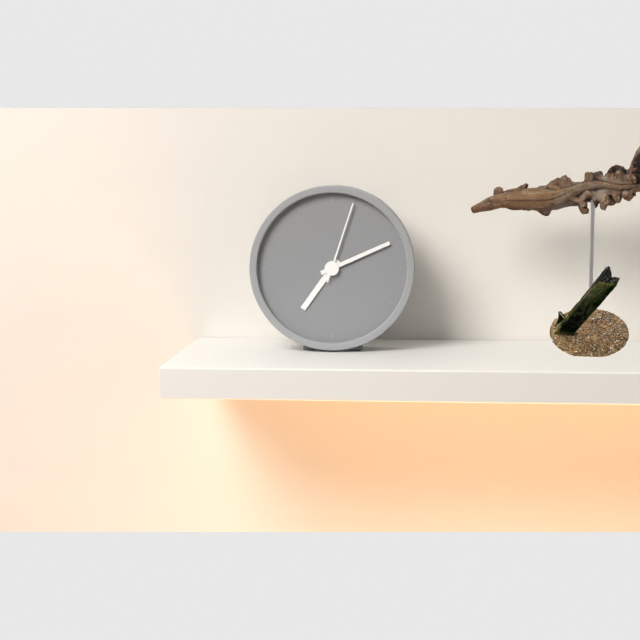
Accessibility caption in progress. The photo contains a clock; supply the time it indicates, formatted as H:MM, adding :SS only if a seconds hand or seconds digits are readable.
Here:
7:11:03
